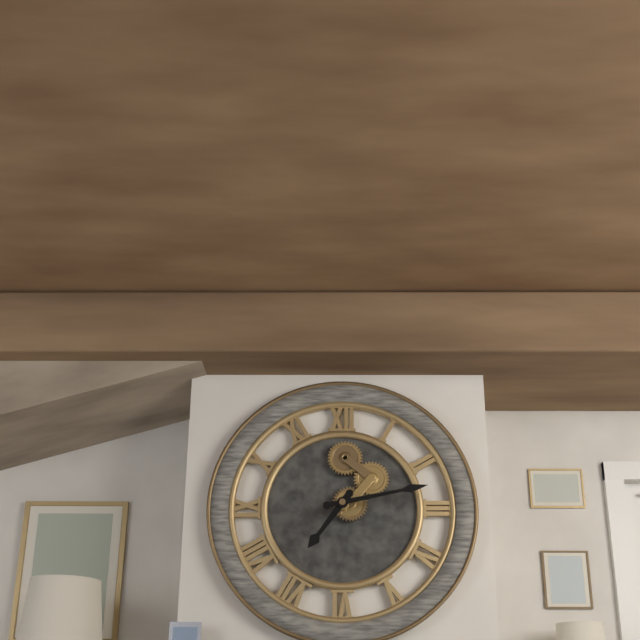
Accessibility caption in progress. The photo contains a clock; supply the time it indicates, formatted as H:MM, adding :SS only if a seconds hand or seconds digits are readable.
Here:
7:13
